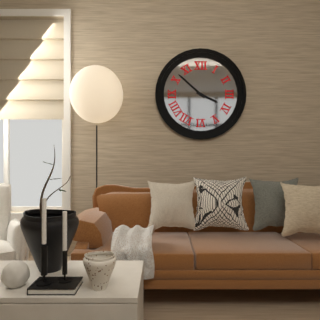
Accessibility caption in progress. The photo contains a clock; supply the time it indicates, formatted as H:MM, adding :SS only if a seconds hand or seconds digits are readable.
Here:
3:52
